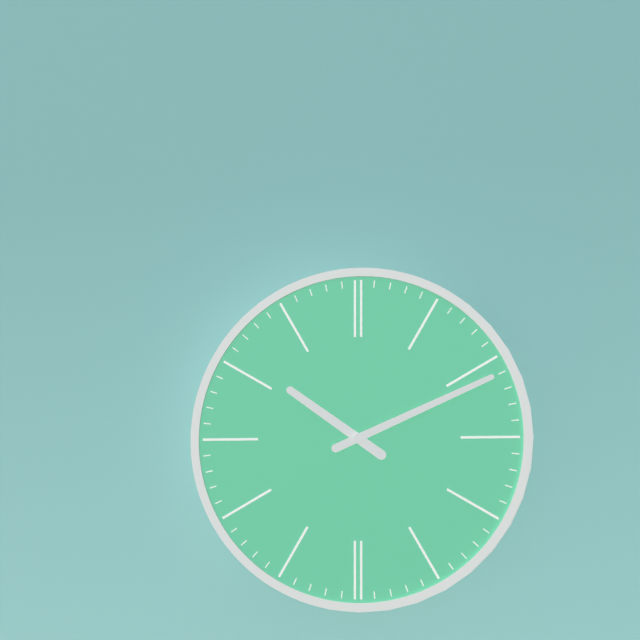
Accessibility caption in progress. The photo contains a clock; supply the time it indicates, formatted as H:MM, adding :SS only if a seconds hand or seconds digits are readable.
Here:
10:11
